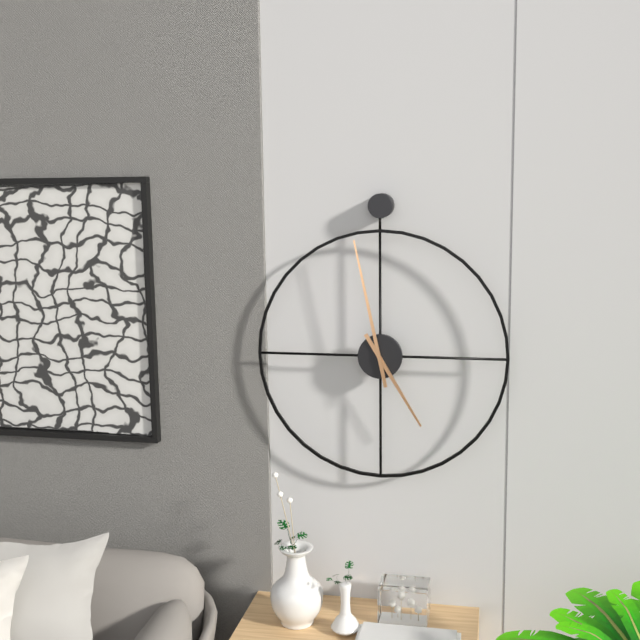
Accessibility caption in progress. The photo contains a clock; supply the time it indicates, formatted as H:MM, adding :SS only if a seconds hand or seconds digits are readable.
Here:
4:58
